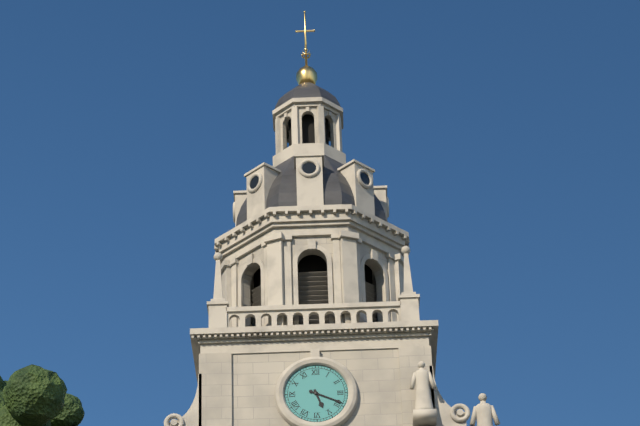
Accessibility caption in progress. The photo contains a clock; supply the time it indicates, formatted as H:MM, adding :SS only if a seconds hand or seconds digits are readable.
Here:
5:19
